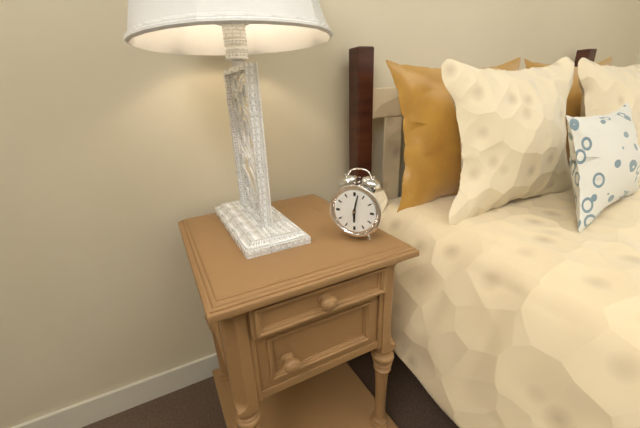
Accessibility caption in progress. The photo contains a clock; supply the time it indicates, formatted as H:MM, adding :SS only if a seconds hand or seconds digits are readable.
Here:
6:02
